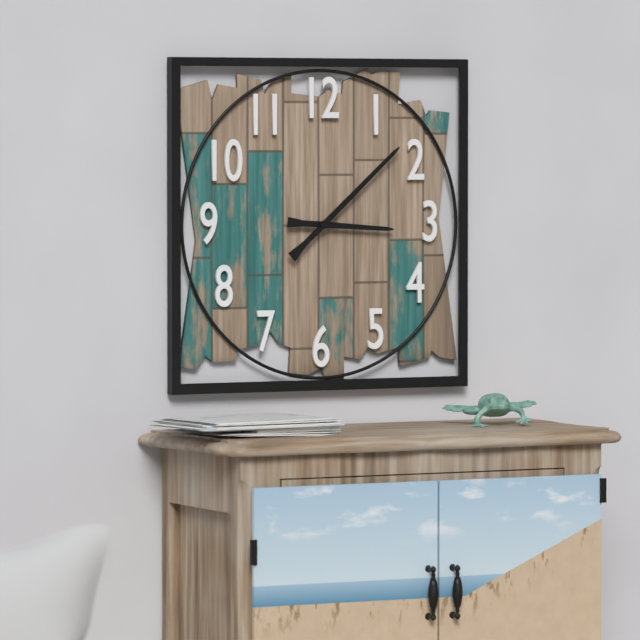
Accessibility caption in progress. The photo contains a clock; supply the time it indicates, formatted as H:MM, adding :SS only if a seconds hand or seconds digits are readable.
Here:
3:08
